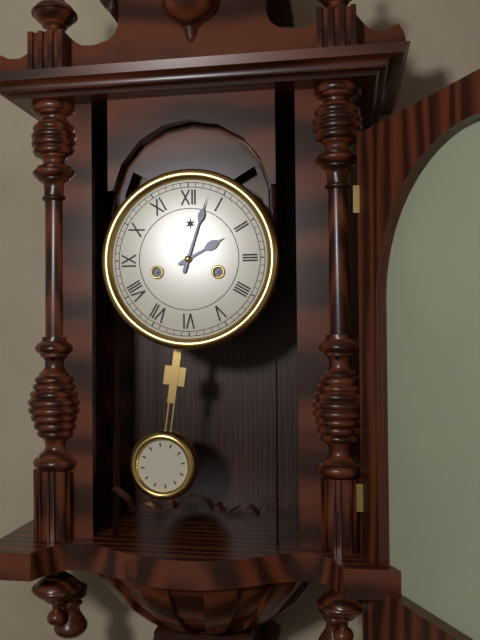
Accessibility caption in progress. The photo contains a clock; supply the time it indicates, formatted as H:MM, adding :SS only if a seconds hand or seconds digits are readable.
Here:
2:03
